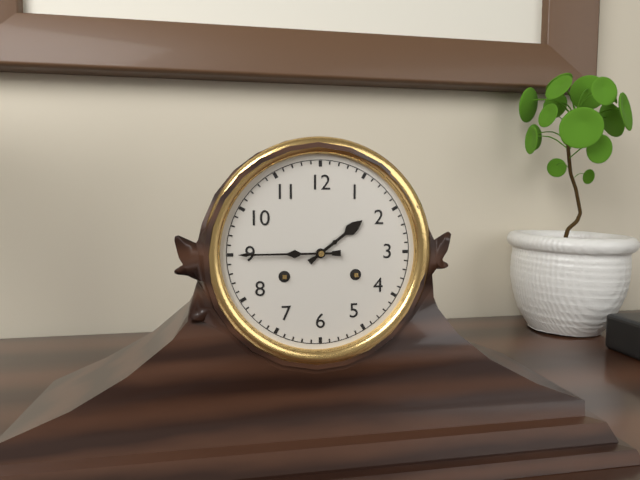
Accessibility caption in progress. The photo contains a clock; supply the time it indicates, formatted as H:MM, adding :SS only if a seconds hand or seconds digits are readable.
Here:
1:45
